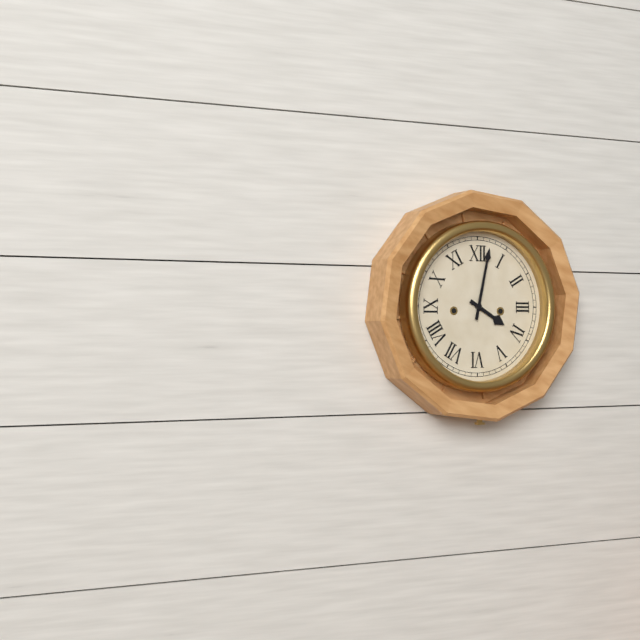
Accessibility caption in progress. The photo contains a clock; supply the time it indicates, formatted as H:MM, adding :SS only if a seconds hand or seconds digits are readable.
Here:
4:02
